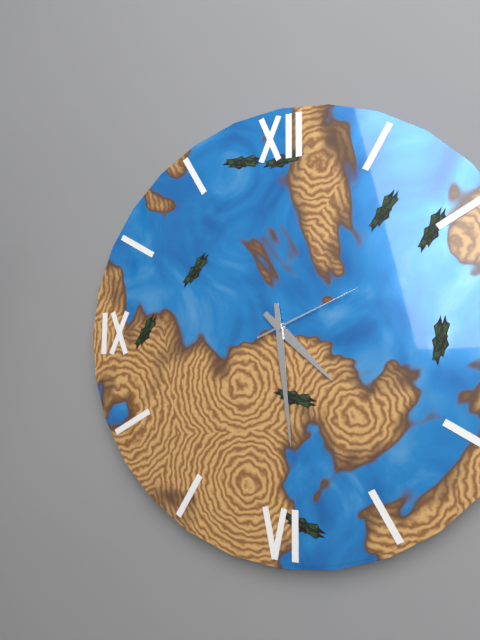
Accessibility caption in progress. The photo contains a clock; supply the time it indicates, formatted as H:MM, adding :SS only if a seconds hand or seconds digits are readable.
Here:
4:29:11
